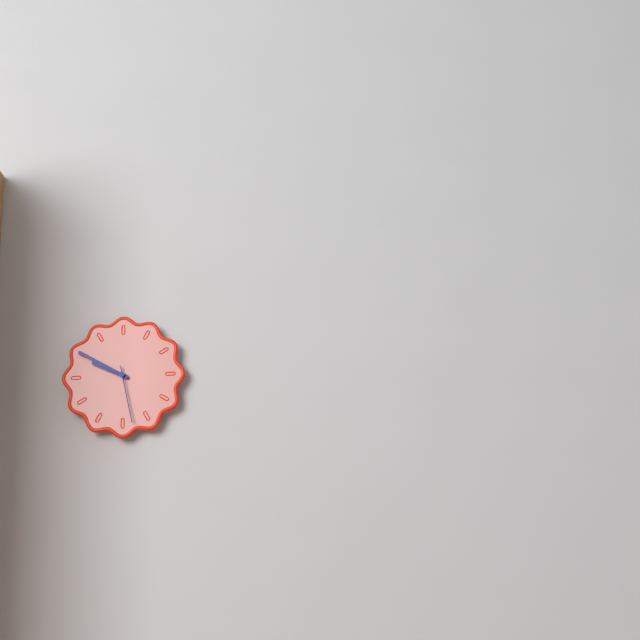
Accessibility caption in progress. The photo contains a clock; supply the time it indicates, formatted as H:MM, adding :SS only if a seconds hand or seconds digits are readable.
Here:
9:50:28
